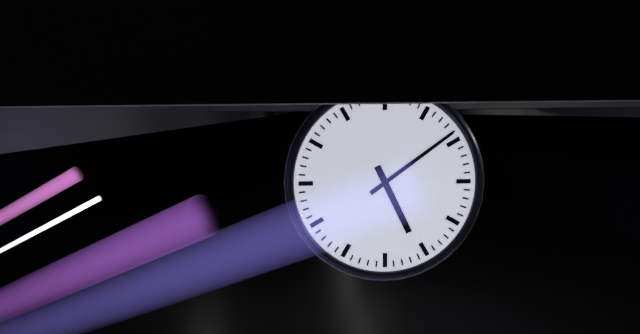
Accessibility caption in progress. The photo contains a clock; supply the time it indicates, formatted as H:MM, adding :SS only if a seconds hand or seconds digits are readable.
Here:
5:09
